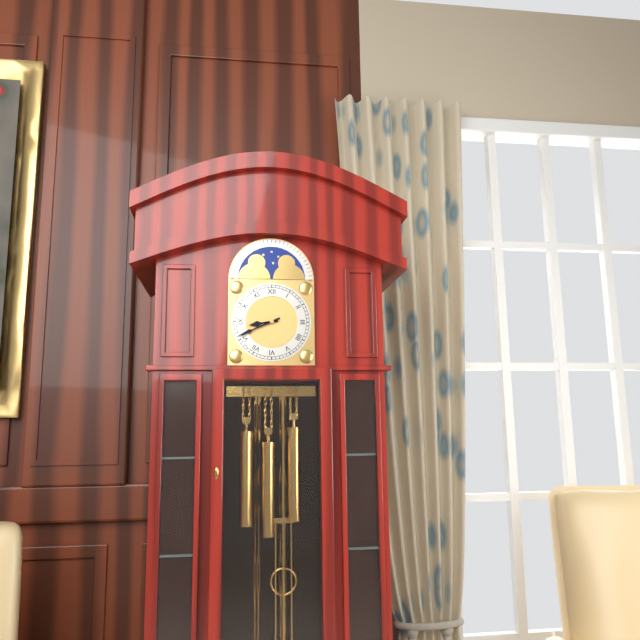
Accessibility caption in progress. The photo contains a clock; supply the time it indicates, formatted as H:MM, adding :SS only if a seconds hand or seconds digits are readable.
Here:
8:41
